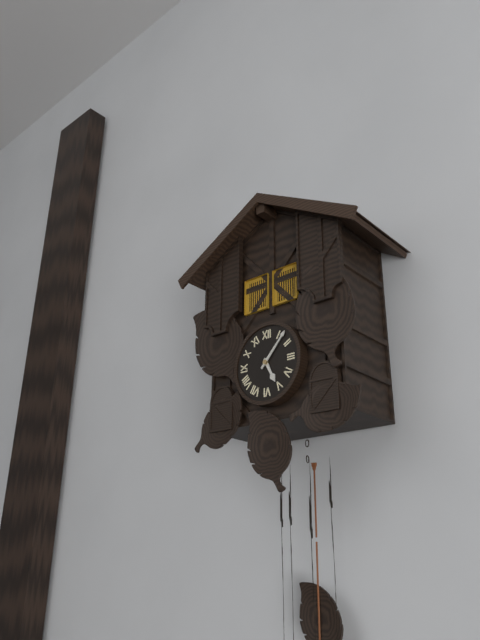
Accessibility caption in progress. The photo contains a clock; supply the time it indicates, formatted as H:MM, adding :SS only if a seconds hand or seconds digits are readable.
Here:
5:07
